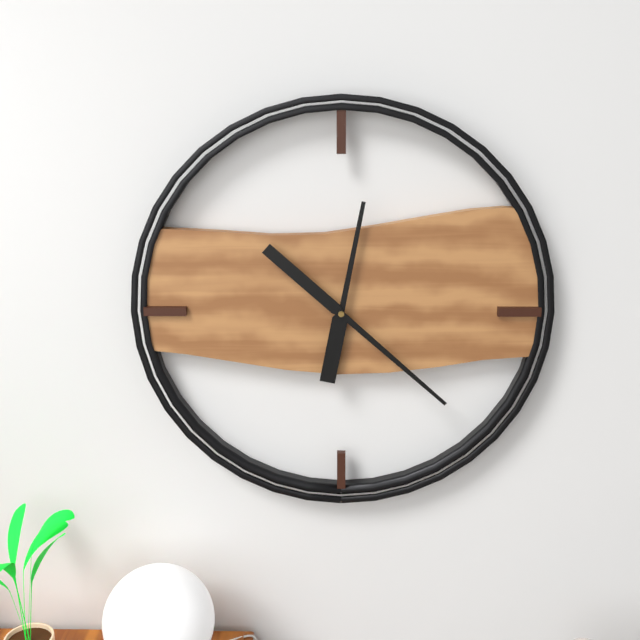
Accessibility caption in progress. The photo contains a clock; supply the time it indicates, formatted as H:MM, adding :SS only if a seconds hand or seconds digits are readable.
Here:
12:22
